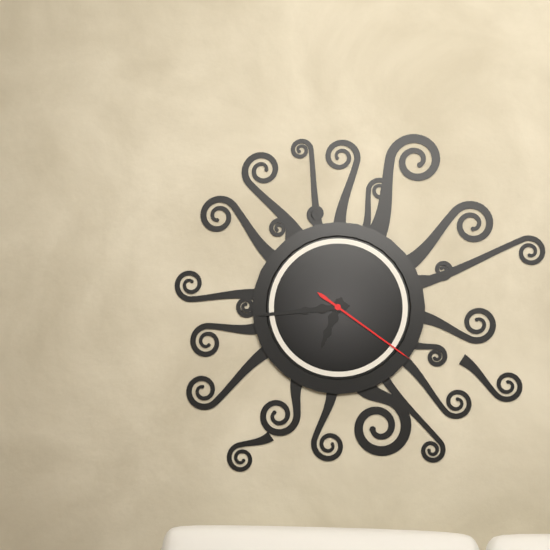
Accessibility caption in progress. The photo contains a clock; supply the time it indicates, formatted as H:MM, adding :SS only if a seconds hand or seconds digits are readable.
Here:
6:44:21
